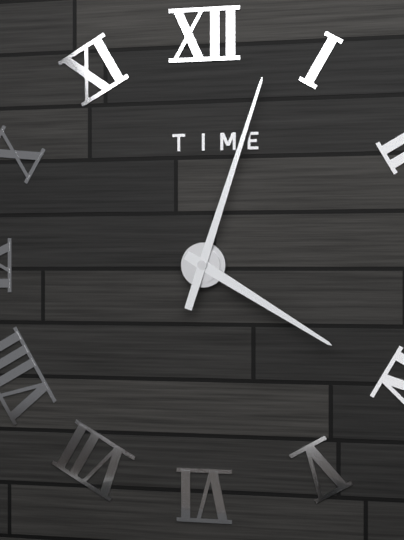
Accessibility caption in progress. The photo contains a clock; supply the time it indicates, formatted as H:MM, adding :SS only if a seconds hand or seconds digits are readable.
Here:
4:03
